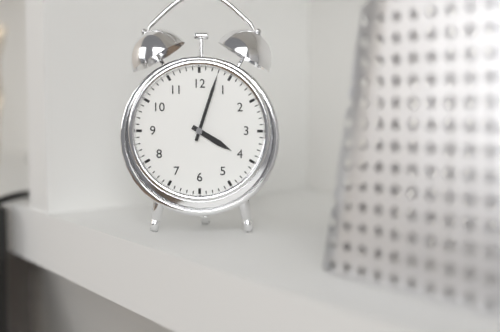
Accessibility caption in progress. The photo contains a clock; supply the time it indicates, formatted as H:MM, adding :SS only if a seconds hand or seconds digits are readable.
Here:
4:03
